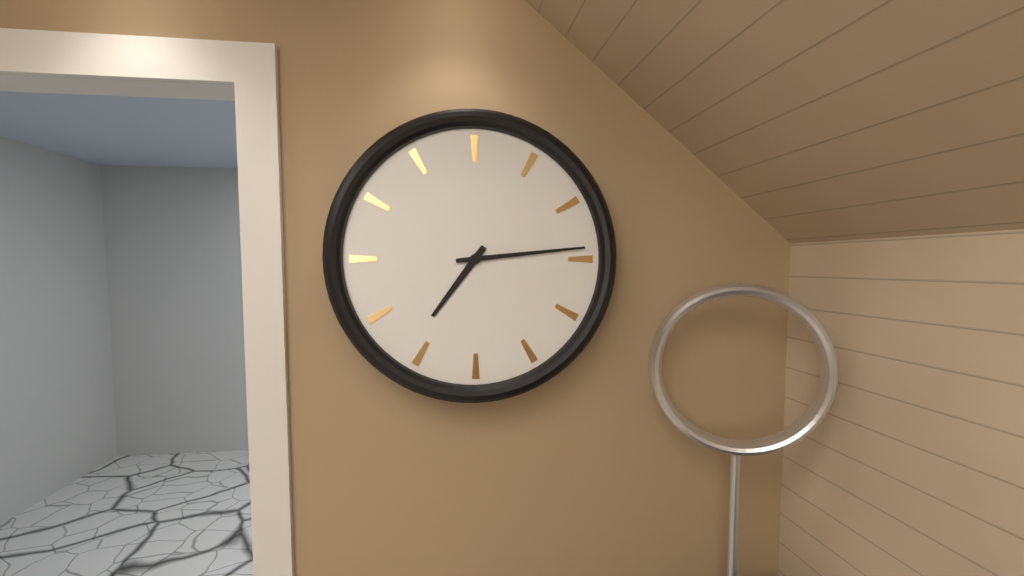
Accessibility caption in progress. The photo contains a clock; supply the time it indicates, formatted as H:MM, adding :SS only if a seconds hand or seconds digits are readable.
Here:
7:14
